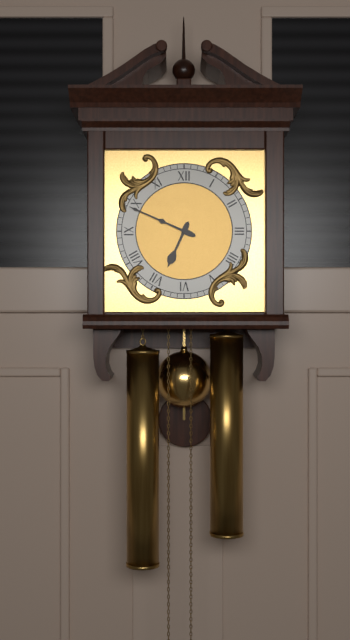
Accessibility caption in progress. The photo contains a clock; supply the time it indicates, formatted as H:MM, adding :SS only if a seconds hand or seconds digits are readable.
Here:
6:49
